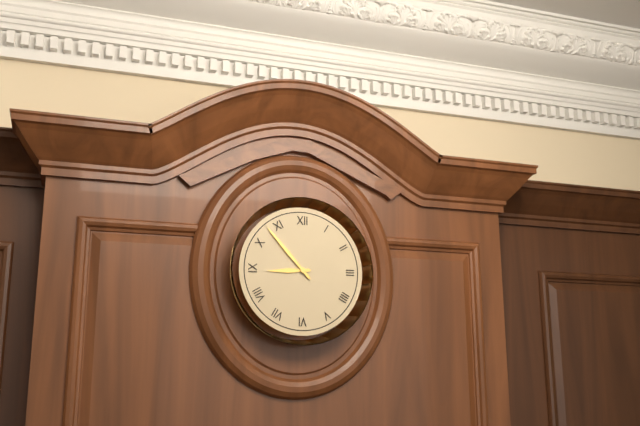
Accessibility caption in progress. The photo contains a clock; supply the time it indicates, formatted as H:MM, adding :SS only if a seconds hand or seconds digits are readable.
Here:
8:53
